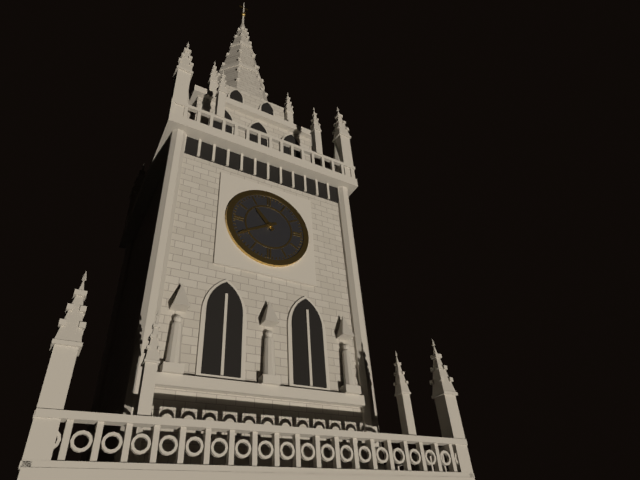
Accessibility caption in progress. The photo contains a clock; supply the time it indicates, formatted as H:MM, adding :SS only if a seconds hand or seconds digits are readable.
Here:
10:40
